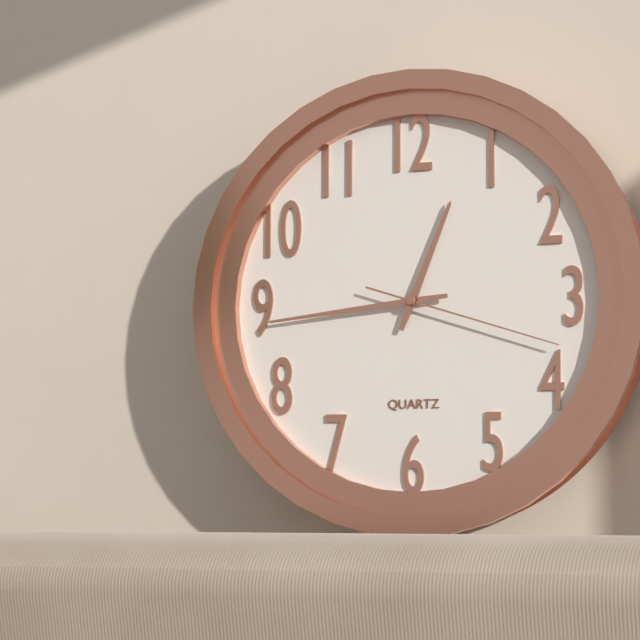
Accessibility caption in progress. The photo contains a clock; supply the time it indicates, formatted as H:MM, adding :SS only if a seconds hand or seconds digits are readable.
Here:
12:44:18
